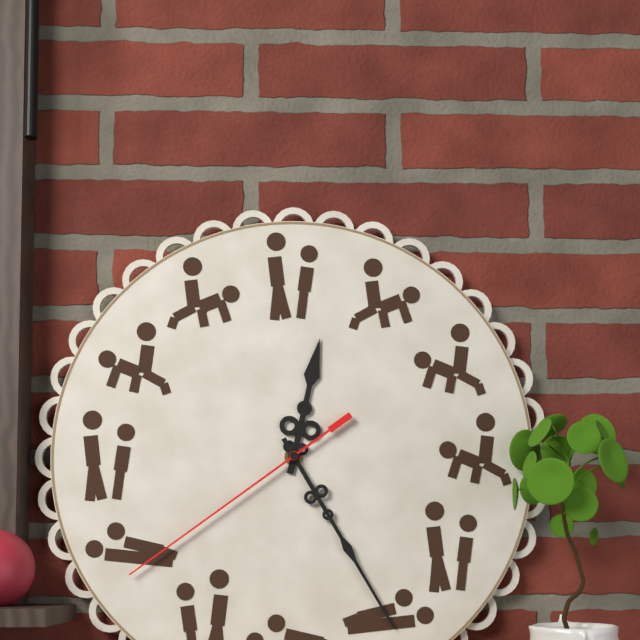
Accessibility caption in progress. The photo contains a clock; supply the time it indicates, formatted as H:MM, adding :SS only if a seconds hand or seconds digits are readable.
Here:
12:25:39
